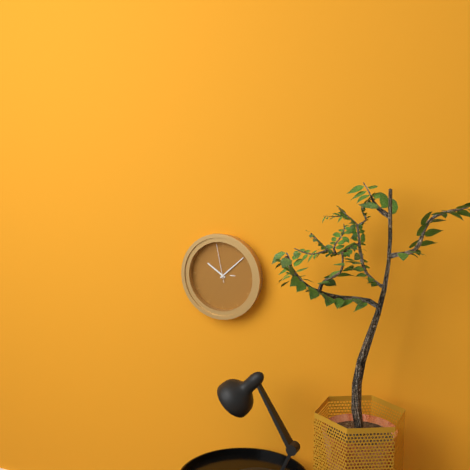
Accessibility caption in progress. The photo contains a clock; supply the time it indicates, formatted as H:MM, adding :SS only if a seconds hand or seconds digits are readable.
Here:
10:08
